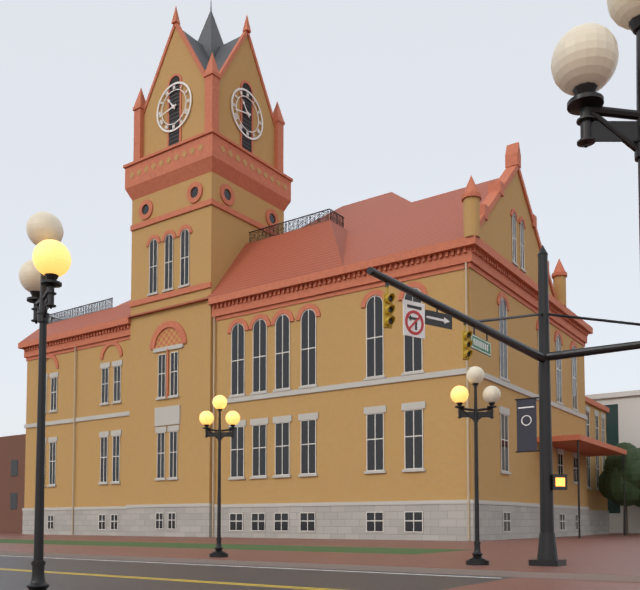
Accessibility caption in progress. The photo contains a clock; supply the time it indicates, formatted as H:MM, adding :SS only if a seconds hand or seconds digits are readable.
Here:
10:43
